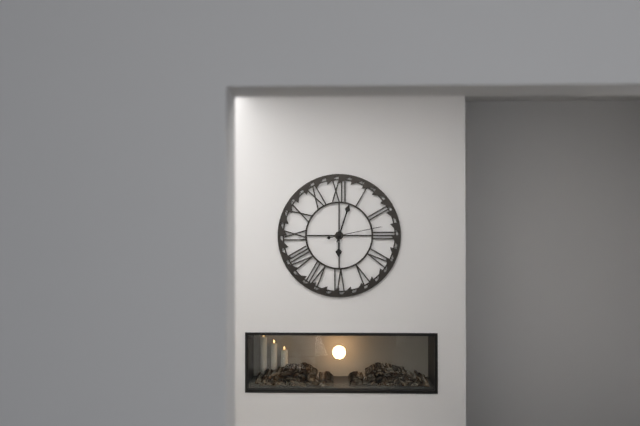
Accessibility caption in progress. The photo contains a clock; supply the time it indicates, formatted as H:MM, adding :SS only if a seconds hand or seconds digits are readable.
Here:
6:03:13
